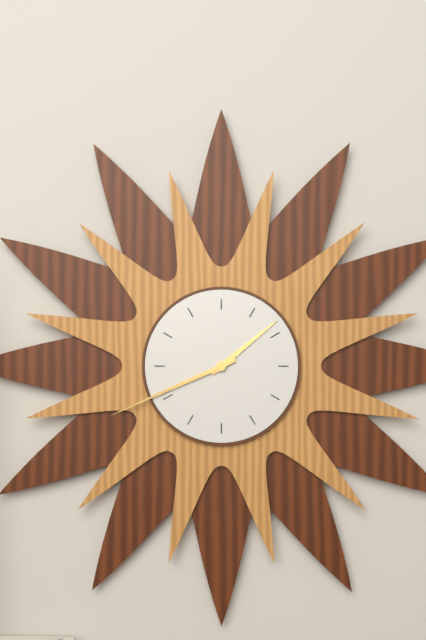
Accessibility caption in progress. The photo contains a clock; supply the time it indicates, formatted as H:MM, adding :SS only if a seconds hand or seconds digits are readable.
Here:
1:41
